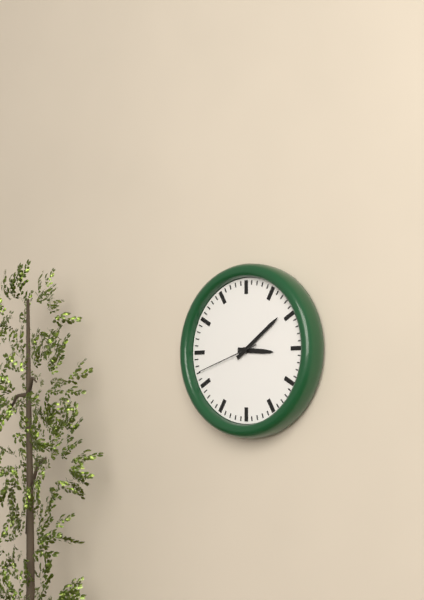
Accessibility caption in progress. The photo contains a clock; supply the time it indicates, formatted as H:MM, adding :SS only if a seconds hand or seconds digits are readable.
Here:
3:09:42
